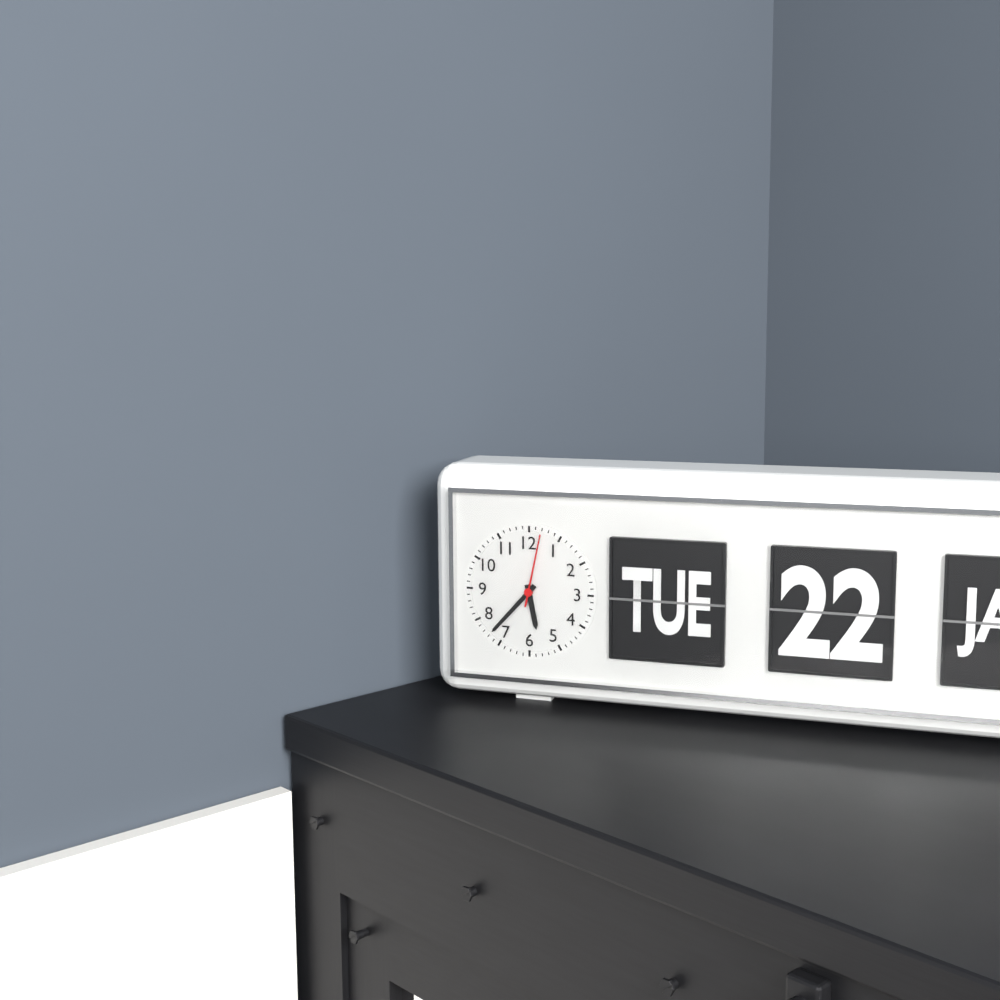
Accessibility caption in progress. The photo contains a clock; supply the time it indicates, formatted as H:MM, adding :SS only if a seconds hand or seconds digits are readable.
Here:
5:37:02
